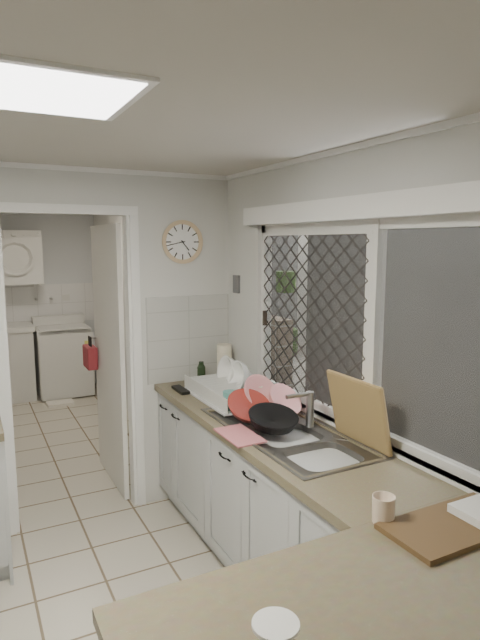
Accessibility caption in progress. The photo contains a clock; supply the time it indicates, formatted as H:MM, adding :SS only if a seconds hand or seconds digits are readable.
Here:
4:43
